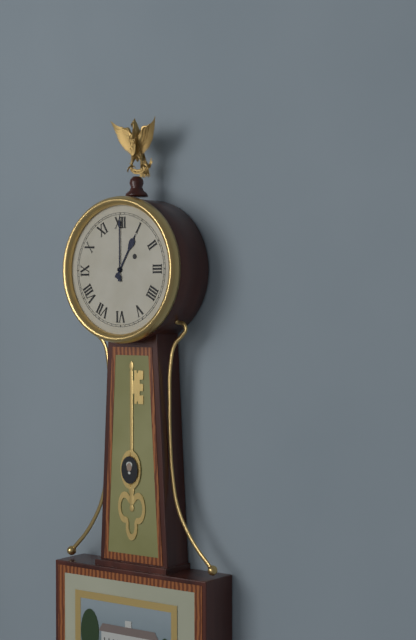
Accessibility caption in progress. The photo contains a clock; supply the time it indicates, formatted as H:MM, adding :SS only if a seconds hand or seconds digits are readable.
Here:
1:00
